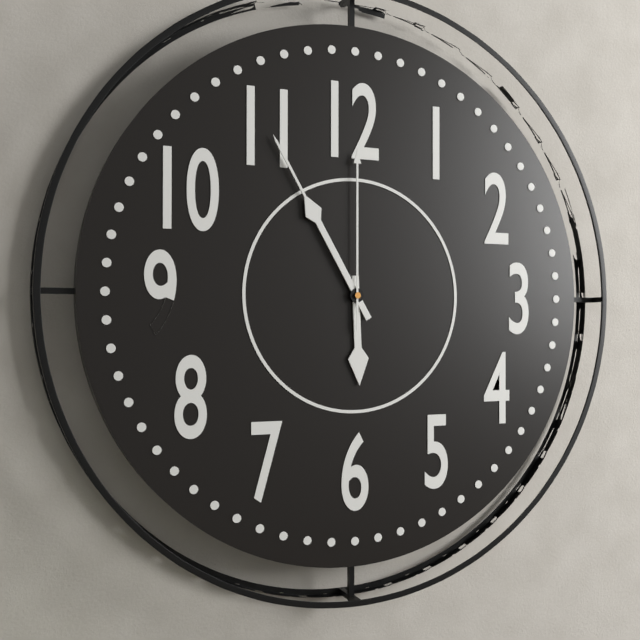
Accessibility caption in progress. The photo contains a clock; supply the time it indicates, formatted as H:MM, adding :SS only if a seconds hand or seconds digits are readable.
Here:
5:55:00
